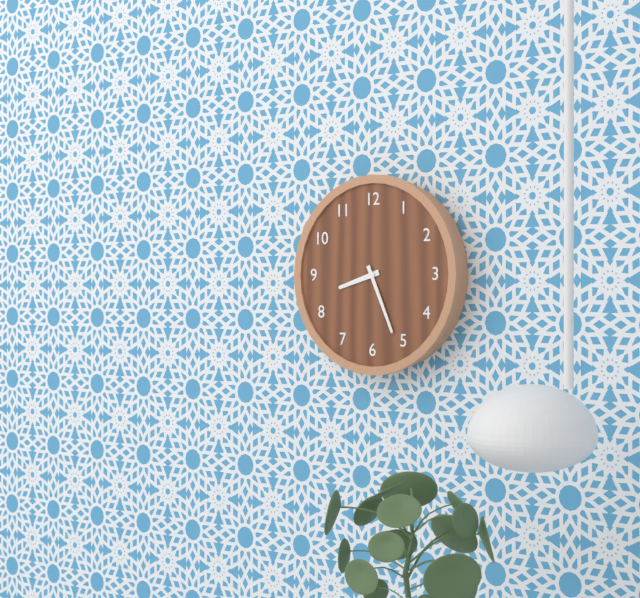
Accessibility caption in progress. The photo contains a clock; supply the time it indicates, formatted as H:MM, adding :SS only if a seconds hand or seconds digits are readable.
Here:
8:26
